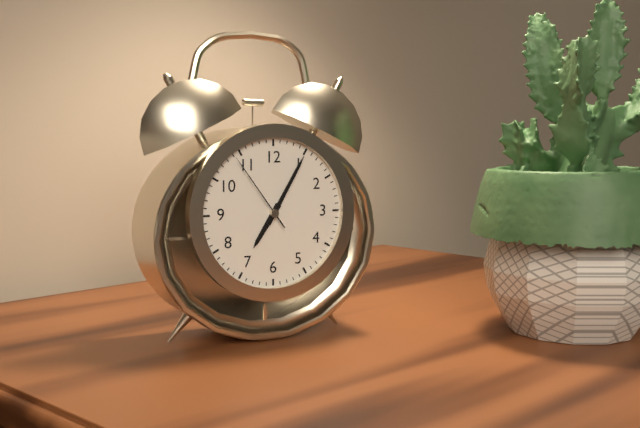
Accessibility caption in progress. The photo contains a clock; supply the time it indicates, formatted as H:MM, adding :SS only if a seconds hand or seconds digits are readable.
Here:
7:05:54
